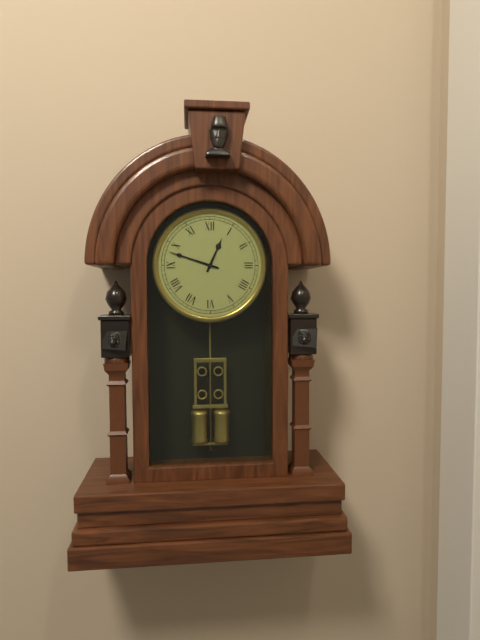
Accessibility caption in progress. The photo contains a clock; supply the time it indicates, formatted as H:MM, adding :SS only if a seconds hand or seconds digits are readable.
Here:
12:48
